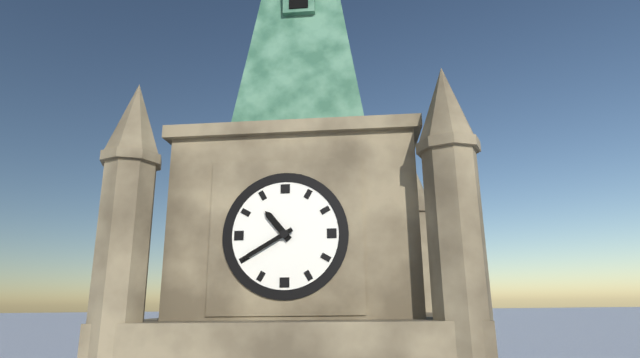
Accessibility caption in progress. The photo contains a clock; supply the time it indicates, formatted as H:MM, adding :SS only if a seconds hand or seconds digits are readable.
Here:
10:40
